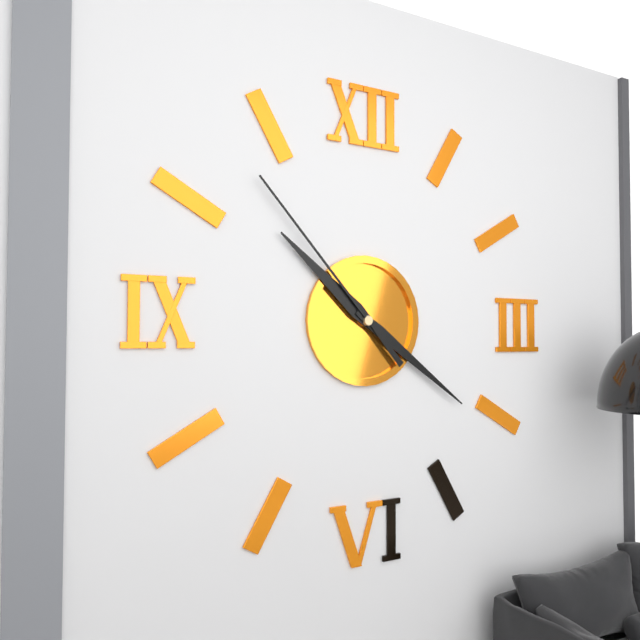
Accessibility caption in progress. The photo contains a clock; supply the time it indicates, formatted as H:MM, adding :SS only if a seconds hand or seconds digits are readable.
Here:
10:21:53
